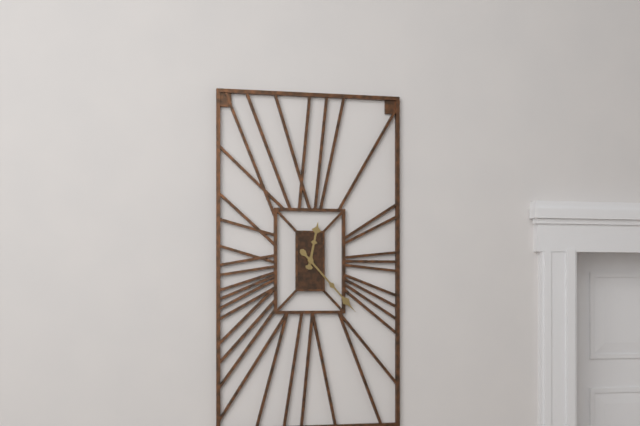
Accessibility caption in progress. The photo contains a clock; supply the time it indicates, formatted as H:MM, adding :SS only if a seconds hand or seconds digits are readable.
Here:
12:23
